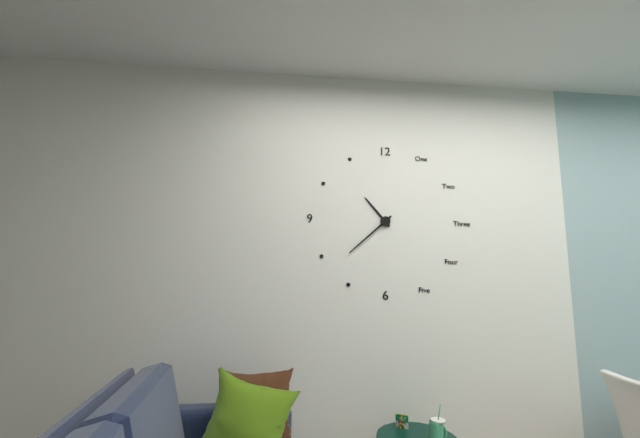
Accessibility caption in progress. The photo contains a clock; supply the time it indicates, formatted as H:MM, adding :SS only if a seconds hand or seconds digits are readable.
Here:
10:38
